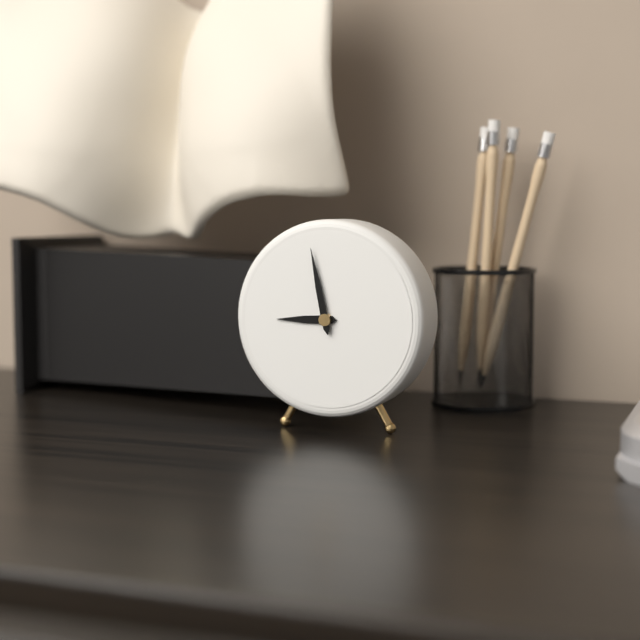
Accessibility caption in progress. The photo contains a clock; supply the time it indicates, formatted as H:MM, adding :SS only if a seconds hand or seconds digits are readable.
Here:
8:58
